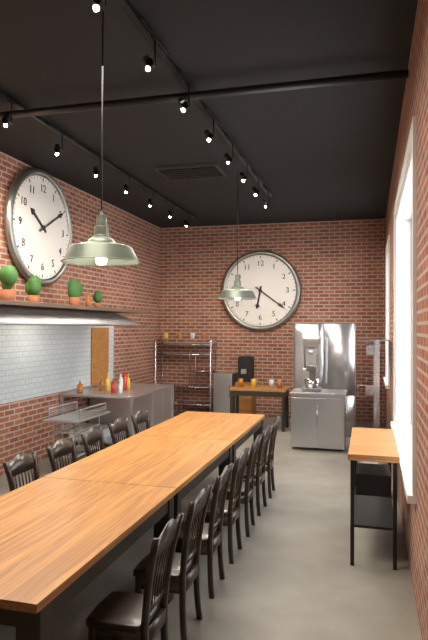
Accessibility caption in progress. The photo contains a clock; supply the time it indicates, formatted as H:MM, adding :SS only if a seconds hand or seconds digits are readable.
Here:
6:21
